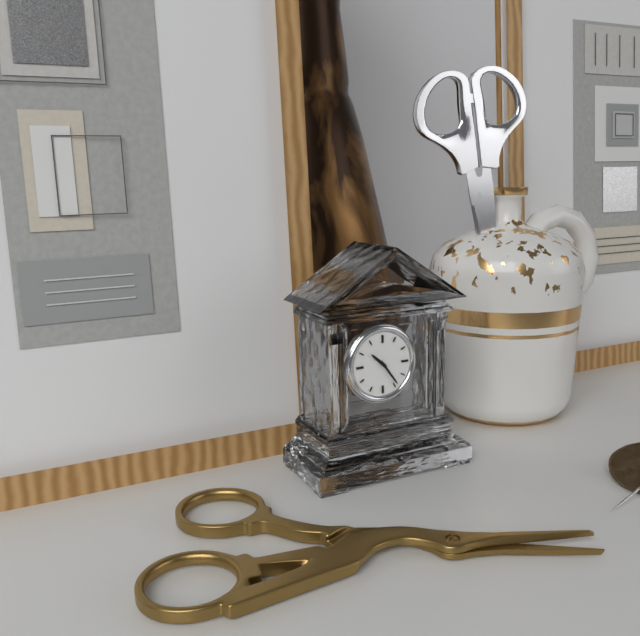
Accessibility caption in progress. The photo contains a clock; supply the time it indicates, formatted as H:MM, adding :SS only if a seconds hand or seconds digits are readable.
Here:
10:24
